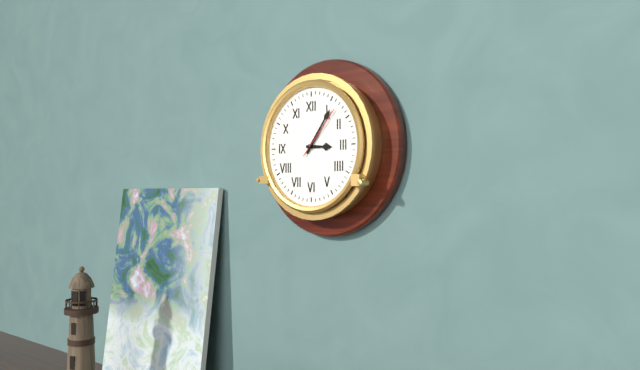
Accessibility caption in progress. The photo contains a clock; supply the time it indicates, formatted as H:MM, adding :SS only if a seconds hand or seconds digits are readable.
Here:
3:06:07
